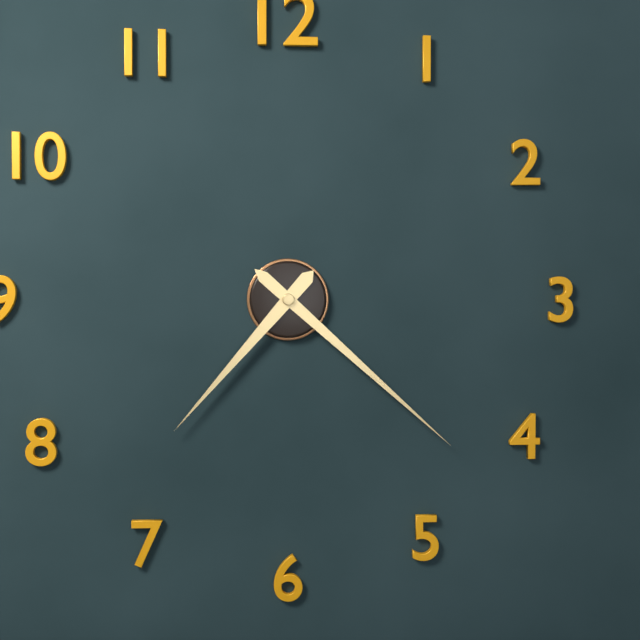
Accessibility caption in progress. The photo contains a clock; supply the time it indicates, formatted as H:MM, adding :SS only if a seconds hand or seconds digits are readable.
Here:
7:22
